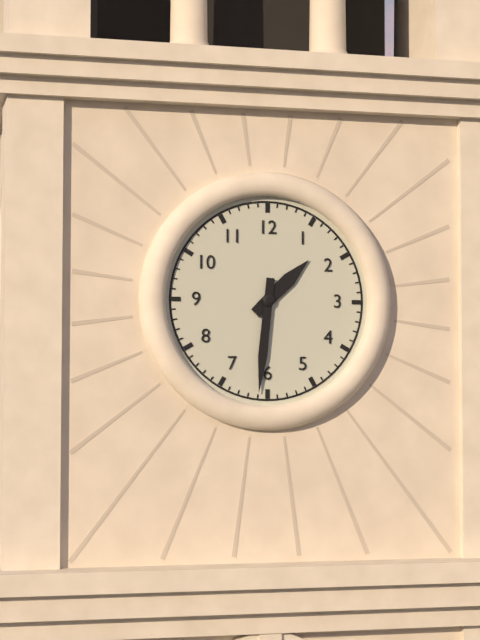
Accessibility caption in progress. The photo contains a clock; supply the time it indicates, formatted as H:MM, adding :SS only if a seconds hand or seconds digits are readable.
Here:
1:31
